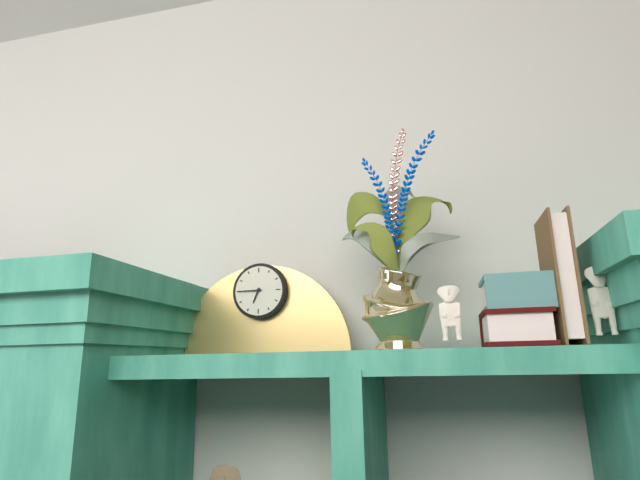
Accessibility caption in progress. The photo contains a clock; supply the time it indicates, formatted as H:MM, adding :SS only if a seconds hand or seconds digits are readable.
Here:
6:45
